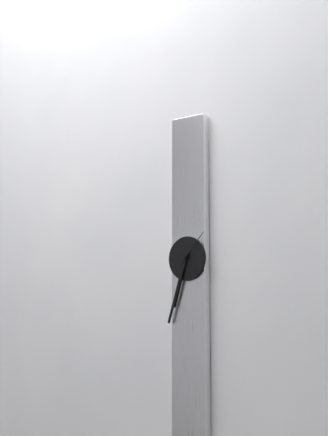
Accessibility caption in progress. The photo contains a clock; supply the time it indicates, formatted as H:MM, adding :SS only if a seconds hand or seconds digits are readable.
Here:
6:33
